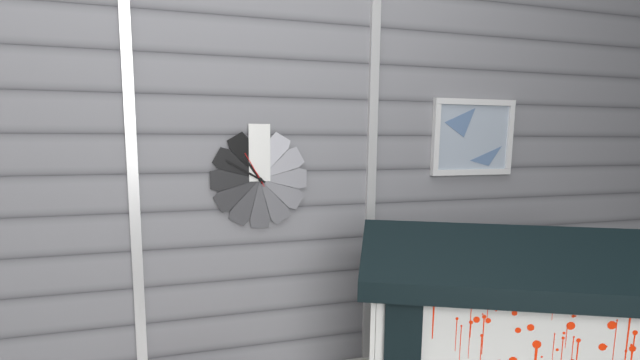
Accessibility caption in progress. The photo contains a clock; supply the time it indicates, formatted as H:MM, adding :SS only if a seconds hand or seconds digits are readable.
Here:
10:50
